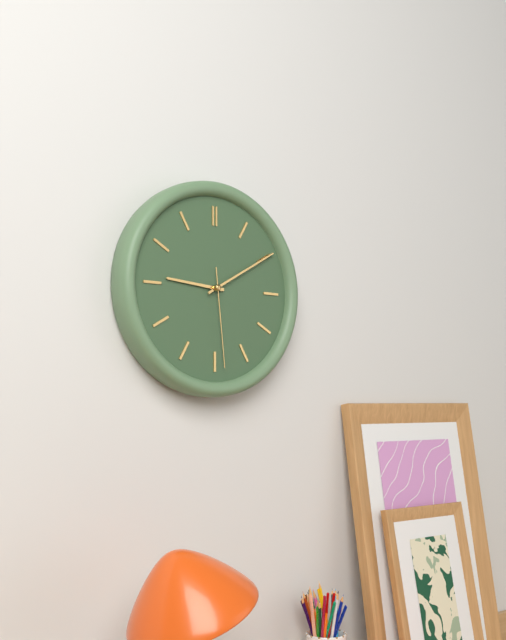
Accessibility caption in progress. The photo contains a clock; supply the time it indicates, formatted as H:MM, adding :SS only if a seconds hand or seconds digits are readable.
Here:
9:10:29
